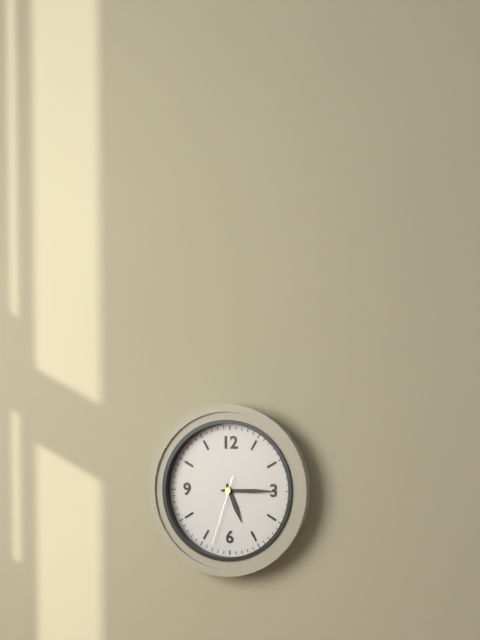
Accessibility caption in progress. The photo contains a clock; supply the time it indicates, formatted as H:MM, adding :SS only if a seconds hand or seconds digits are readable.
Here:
5:15:33
